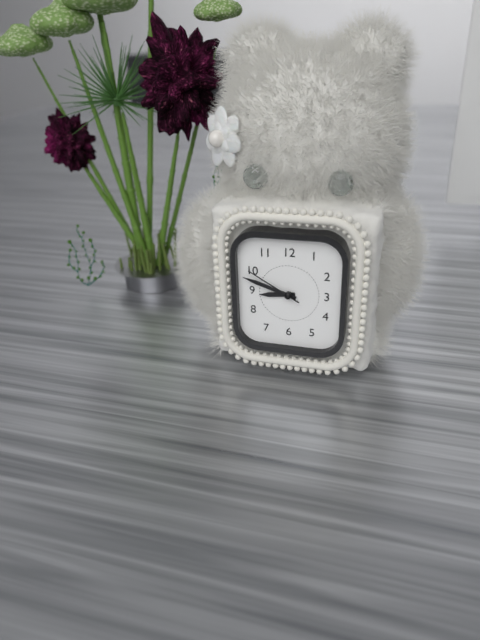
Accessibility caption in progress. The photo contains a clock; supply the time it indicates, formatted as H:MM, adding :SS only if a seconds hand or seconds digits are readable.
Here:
8:48:50
